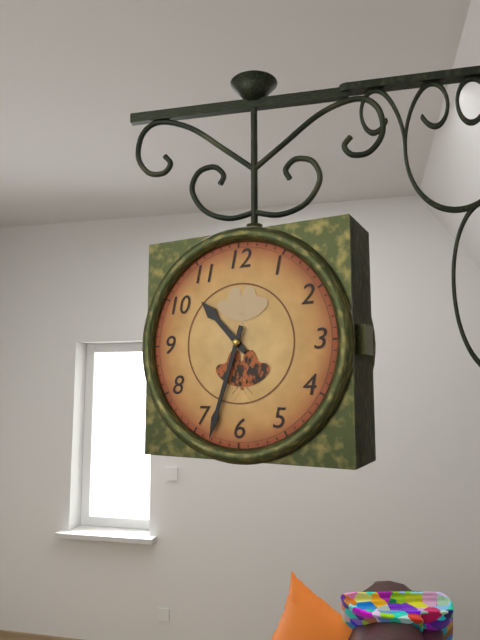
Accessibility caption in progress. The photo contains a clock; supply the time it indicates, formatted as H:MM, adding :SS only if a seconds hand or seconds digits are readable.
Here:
10:33
